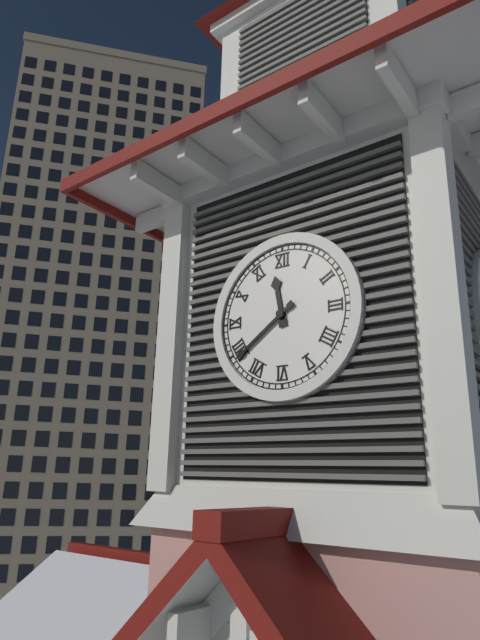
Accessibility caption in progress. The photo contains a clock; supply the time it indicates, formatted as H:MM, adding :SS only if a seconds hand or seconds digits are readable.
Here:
11:39
